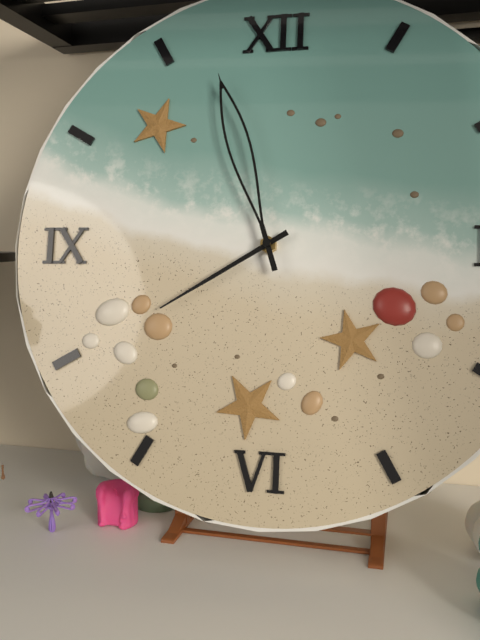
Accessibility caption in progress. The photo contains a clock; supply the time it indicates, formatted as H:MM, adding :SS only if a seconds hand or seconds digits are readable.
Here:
7:57
